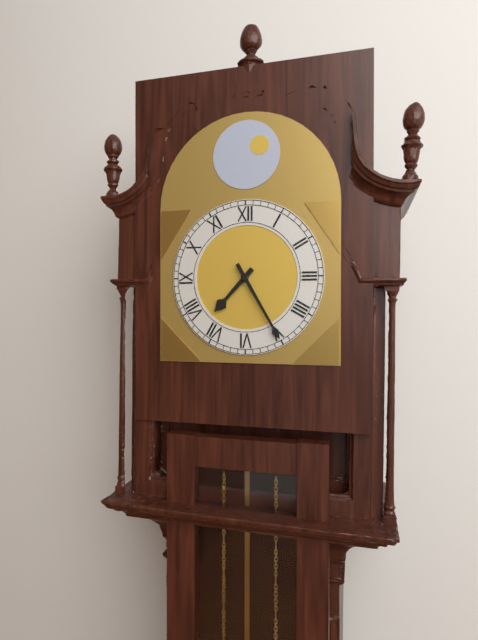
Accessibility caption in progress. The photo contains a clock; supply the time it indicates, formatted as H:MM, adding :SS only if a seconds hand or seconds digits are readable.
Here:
7:25
